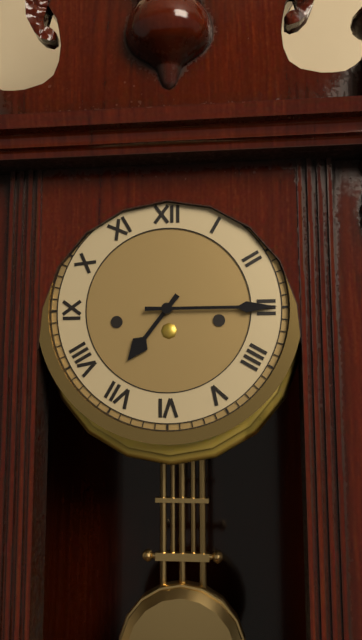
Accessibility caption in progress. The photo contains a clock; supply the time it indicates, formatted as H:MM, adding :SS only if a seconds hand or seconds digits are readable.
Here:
7:15
